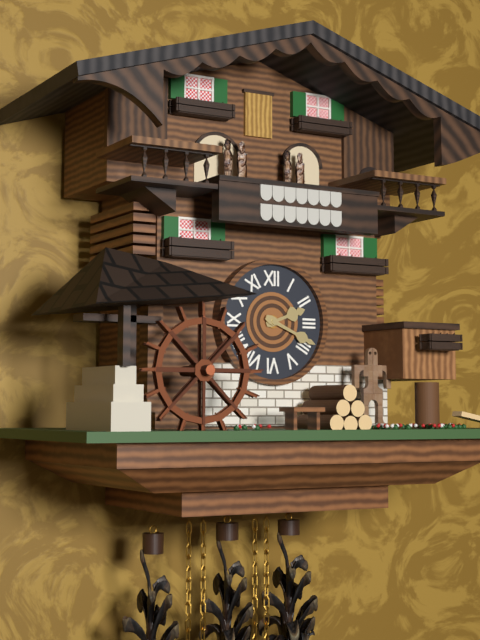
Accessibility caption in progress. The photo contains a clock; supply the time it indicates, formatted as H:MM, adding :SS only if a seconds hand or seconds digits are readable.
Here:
2:19
